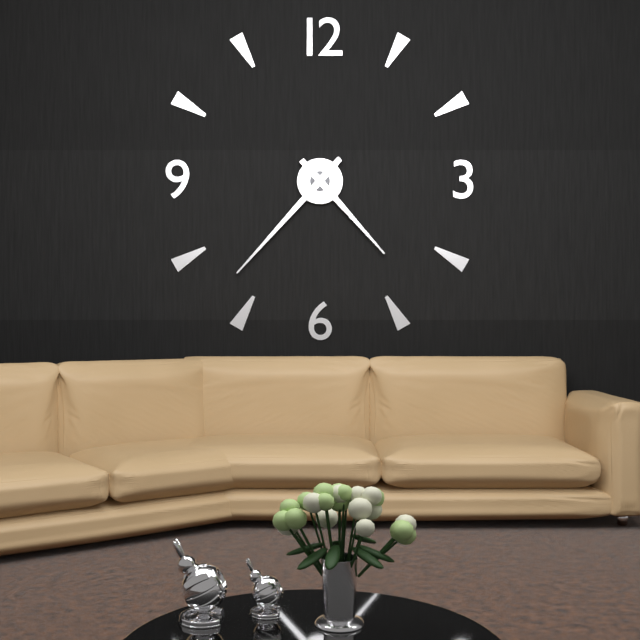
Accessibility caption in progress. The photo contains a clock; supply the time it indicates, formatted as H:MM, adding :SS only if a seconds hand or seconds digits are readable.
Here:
4:37
